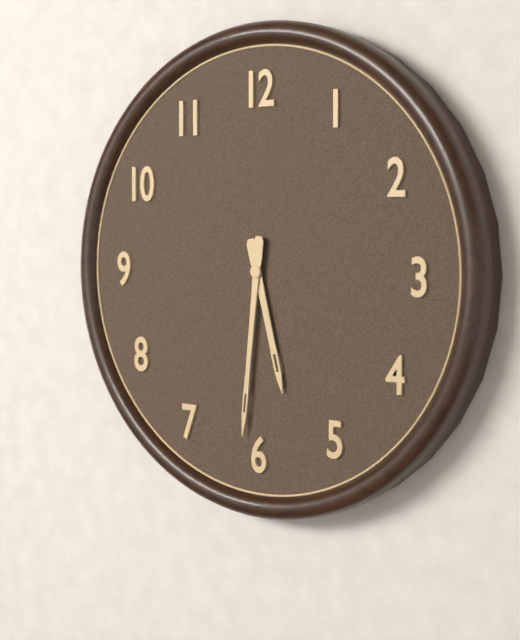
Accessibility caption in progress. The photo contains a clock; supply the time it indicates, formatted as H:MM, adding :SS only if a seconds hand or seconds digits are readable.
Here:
5:31
